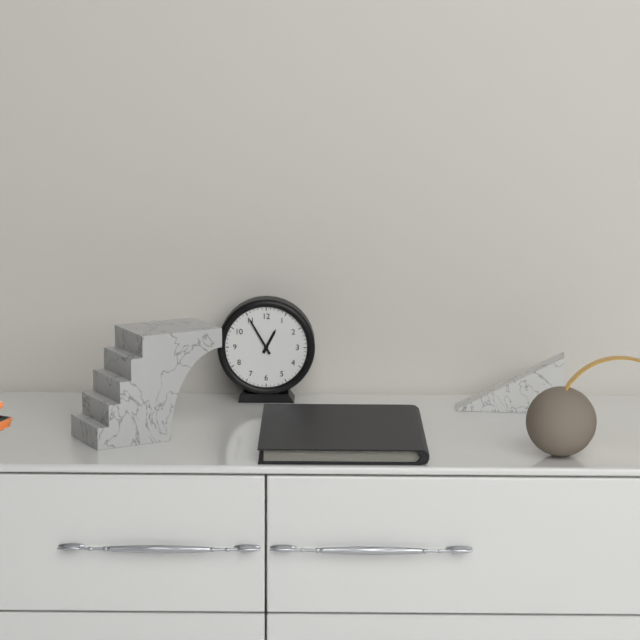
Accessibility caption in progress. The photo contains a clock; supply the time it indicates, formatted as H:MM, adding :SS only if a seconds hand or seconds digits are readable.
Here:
12:55
